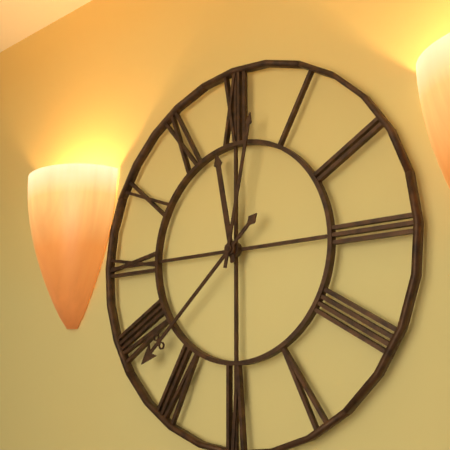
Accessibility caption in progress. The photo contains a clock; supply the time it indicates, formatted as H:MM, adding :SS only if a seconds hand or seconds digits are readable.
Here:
11:38:02
